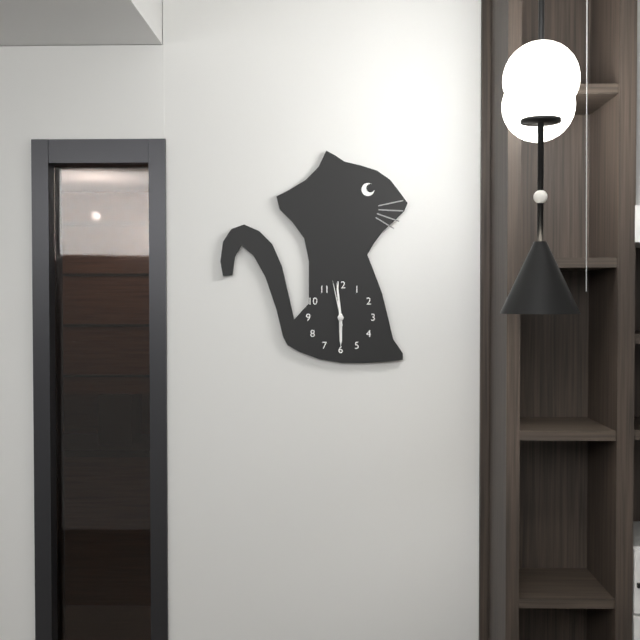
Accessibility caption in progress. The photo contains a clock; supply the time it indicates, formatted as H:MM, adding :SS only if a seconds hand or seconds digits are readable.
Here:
5:59
